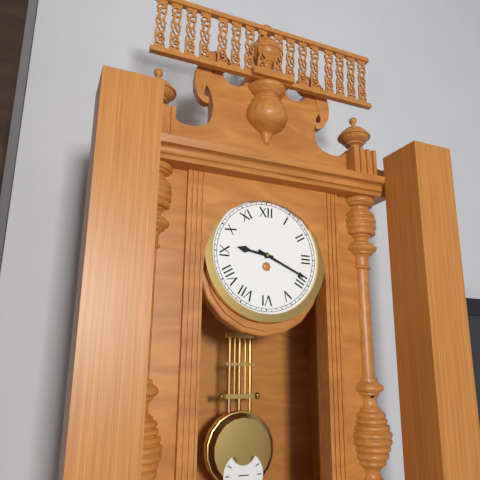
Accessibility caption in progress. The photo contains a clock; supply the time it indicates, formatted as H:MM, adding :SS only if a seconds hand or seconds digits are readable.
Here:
9:19
